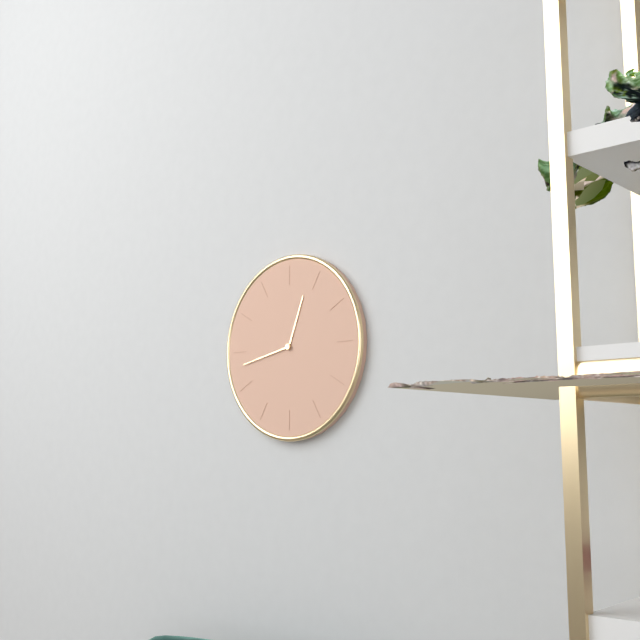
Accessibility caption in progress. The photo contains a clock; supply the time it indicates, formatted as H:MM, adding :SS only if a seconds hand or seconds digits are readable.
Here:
12:43
